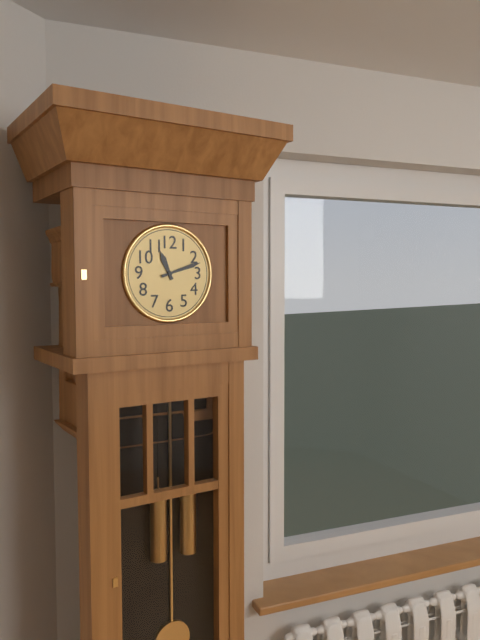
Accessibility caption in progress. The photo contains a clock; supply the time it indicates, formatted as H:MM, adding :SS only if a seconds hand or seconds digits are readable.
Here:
11:12
